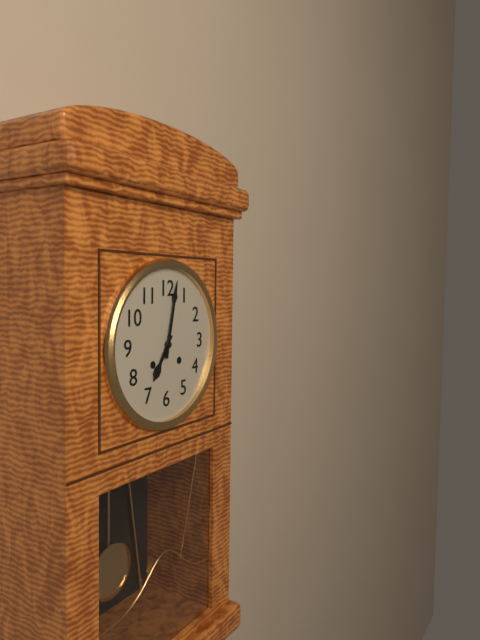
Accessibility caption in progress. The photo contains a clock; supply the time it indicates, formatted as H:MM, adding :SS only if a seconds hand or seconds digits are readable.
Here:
7:02
